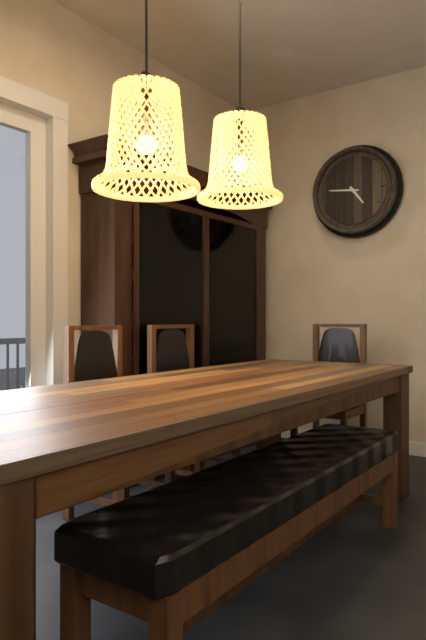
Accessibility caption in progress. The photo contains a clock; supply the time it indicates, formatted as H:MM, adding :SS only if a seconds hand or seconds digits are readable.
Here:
4:46
